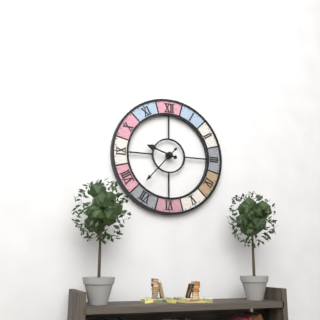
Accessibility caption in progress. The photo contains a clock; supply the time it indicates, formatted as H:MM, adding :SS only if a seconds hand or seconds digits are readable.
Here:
9:37
